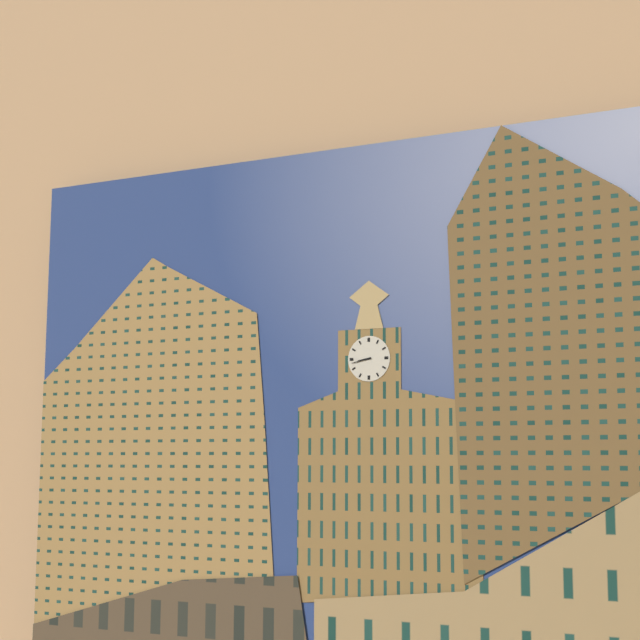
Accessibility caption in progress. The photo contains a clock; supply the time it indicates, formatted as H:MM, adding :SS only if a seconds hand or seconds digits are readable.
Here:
8:43
